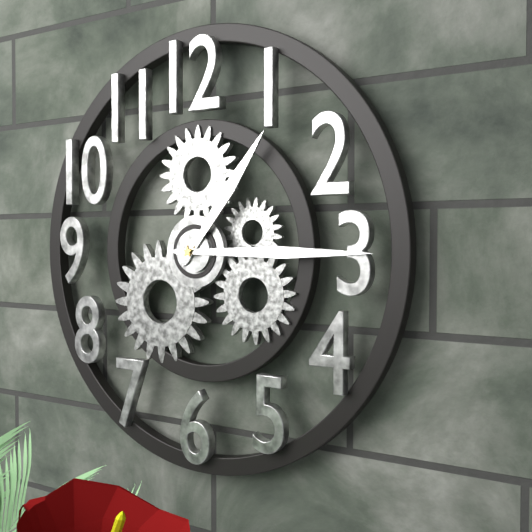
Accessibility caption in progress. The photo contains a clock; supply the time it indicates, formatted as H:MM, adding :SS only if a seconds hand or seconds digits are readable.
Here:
1:15
